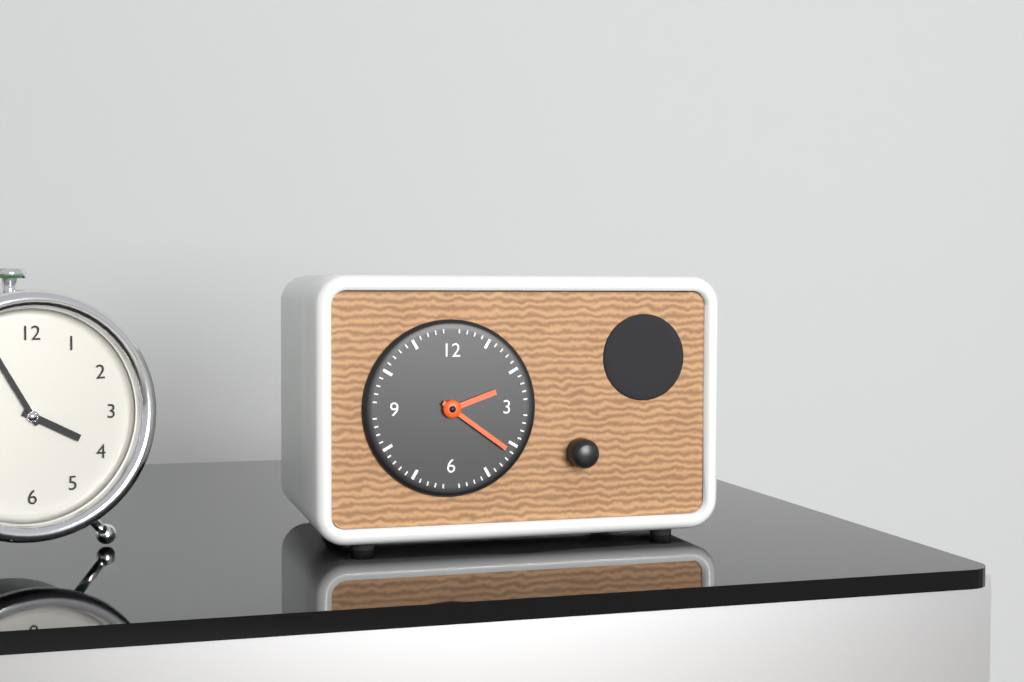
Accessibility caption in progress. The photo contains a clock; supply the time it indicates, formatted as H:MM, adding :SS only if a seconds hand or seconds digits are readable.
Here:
2:21
